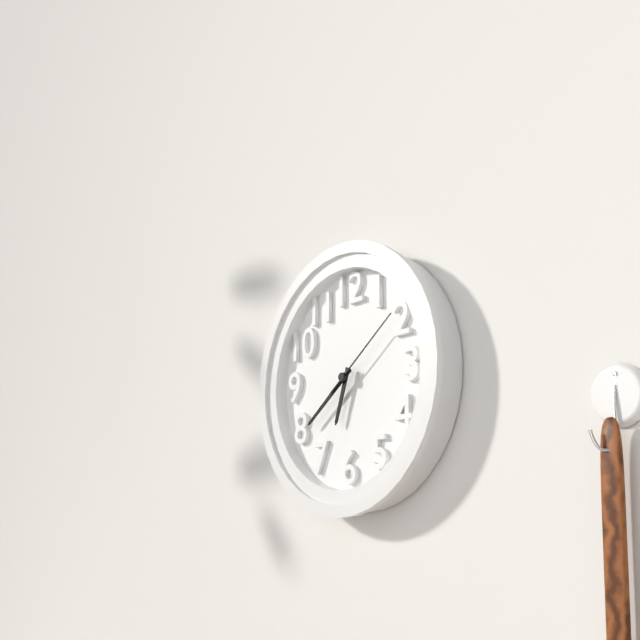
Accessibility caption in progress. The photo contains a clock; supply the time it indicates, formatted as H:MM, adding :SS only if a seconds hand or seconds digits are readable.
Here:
6:39:09
